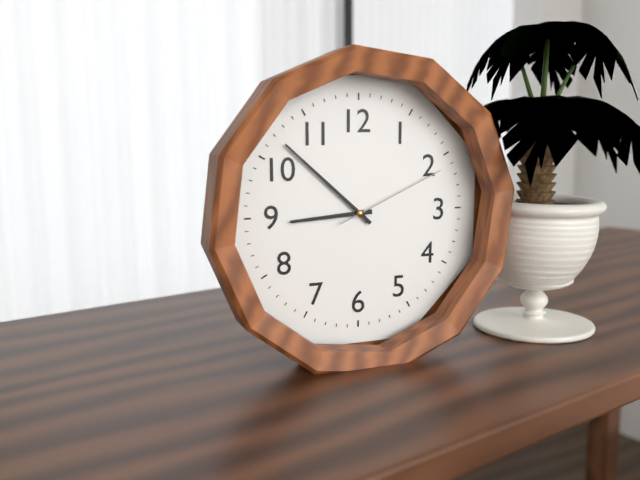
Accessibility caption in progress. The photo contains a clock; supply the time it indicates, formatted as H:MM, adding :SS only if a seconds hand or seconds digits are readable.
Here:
8:52:11
